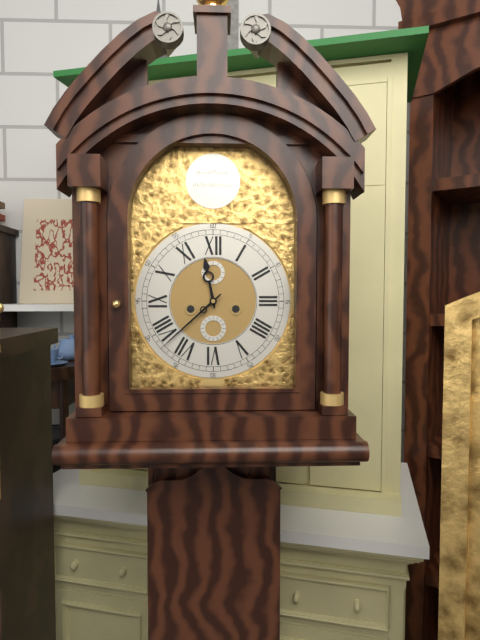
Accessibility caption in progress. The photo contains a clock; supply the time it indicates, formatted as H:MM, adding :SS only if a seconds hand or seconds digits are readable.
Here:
11:38
